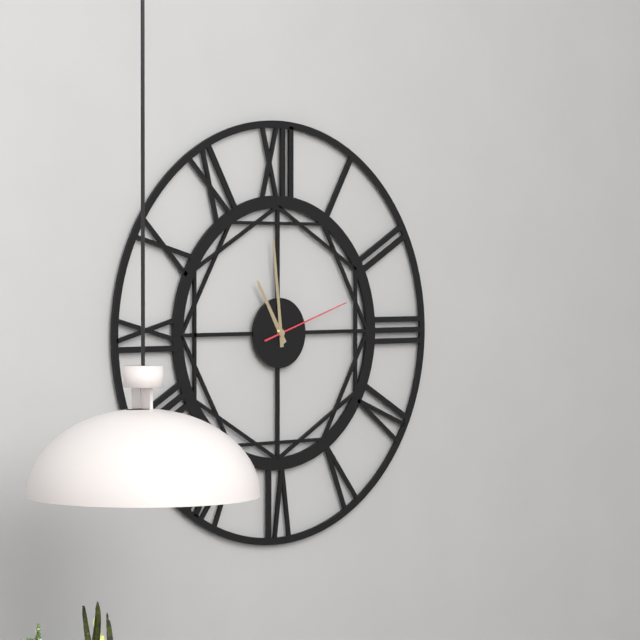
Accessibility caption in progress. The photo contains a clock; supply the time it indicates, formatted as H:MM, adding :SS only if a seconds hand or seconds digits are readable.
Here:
10:59:12
